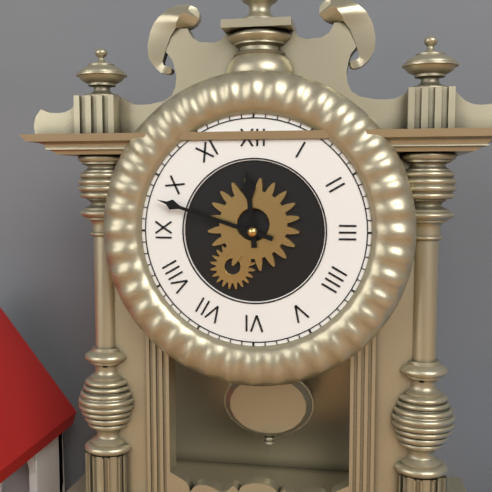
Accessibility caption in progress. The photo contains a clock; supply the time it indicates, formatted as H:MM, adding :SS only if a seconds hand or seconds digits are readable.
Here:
11:48
